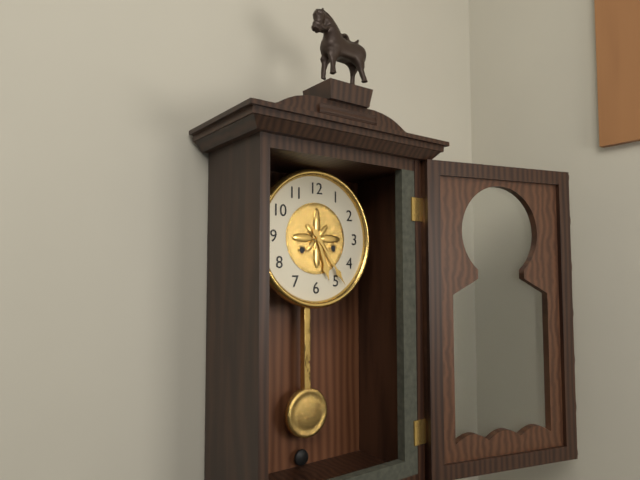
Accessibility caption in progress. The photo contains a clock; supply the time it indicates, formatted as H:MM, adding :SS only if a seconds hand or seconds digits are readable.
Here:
5:24
